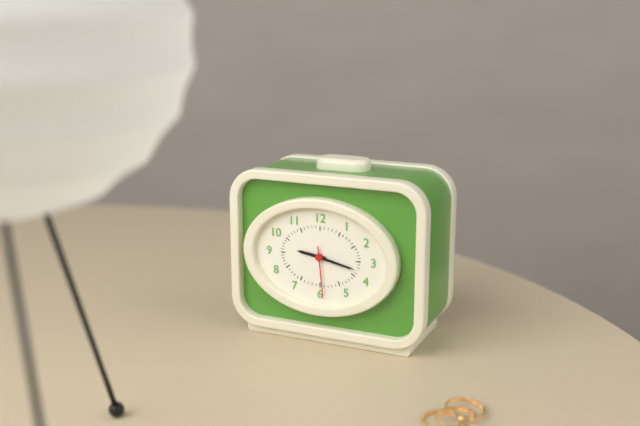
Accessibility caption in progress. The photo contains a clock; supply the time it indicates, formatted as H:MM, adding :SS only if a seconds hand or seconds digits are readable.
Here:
9:17:29
